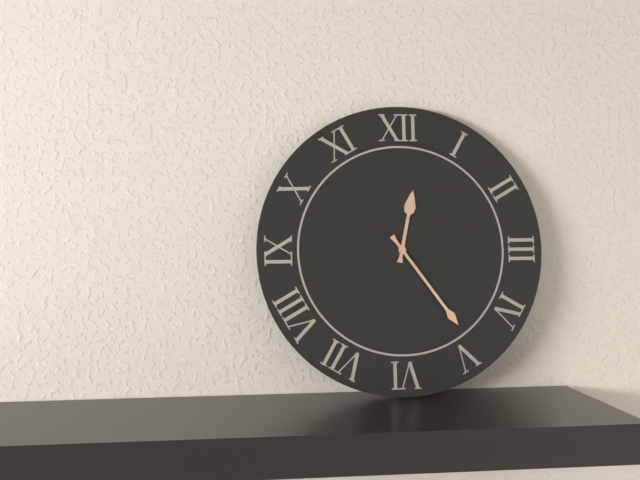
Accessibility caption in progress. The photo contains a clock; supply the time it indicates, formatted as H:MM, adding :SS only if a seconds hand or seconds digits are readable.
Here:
12:24
